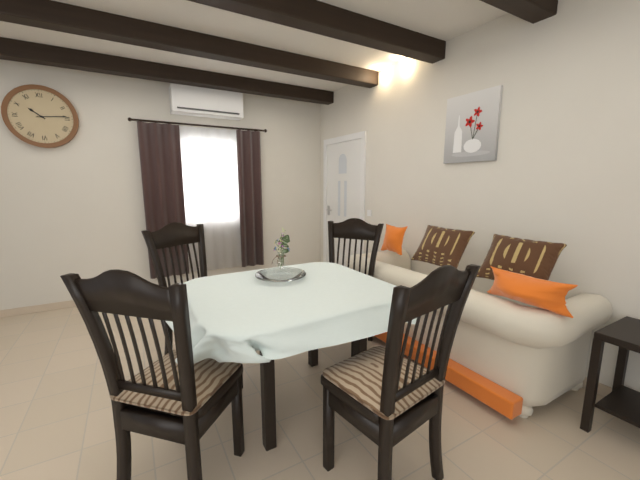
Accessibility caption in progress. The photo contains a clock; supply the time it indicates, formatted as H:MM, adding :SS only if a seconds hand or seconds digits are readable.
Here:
10:14
